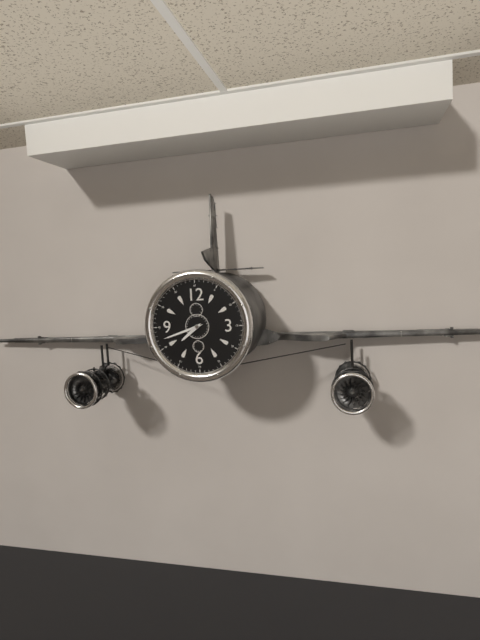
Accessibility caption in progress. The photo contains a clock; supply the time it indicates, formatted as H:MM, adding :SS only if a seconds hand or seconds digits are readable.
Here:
7:42
